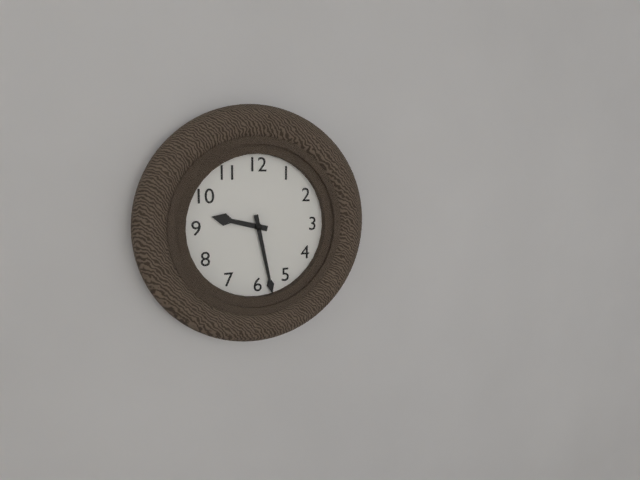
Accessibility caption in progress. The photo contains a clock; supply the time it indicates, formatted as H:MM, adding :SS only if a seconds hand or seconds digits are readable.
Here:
9:28
